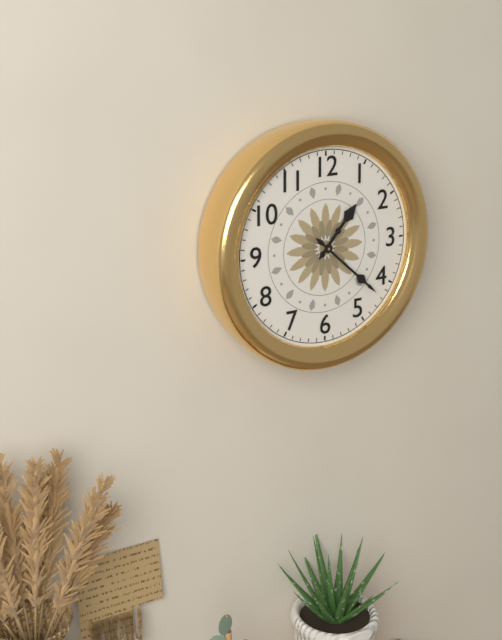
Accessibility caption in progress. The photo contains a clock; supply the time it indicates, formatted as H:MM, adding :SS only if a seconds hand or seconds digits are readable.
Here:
1:22
